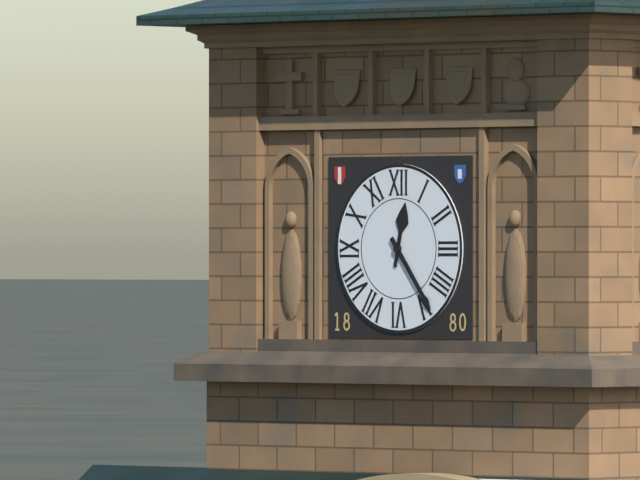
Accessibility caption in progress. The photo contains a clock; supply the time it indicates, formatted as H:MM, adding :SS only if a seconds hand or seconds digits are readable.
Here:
12:24
